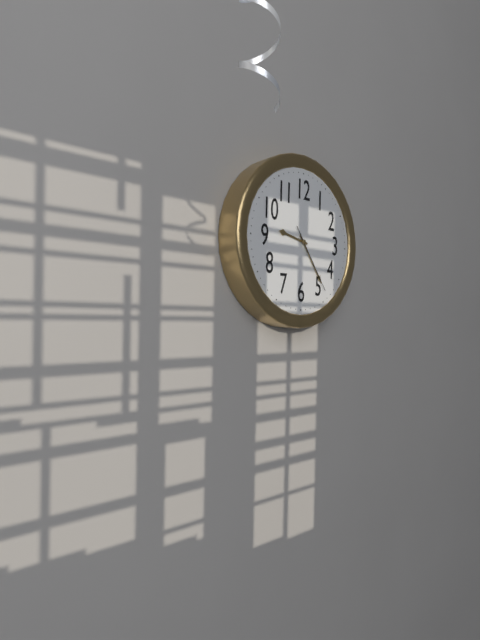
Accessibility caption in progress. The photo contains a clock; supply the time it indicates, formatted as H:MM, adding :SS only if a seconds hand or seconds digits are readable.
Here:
9:24:24
